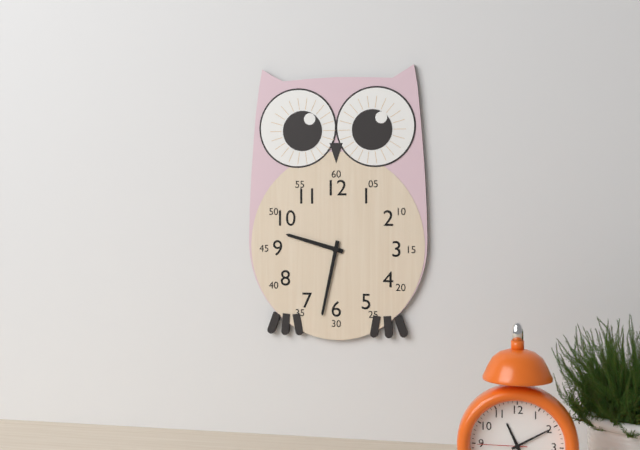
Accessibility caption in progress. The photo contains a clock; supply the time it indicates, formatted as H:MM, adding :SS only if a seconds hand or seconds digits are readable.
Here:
9:32
